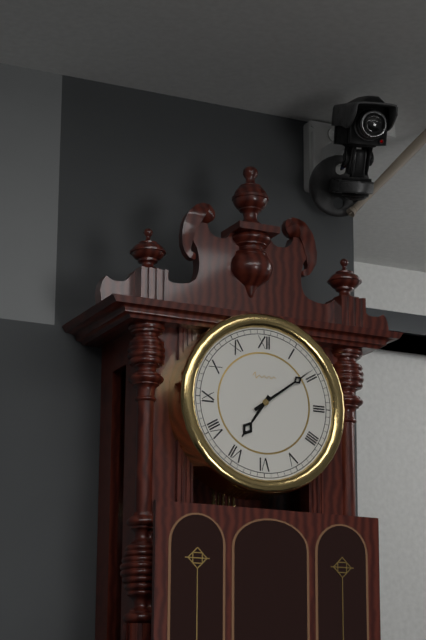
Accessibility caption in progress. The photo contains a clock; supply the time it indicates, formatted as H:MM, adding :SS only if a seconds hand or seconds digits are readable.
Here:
7:09
